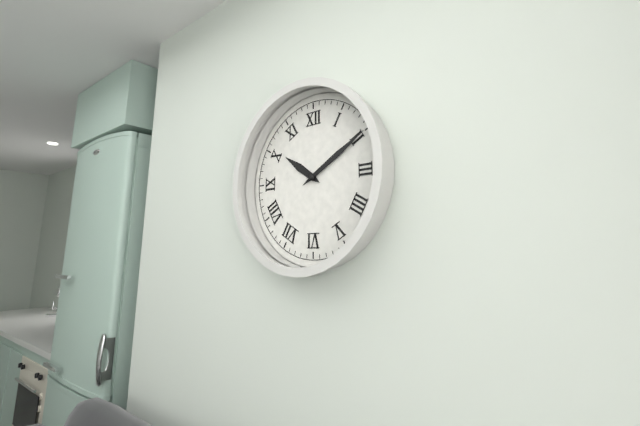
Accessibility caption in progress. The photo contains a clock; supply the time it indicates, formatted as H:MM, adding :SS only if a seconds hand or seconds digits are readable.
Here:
10:10
